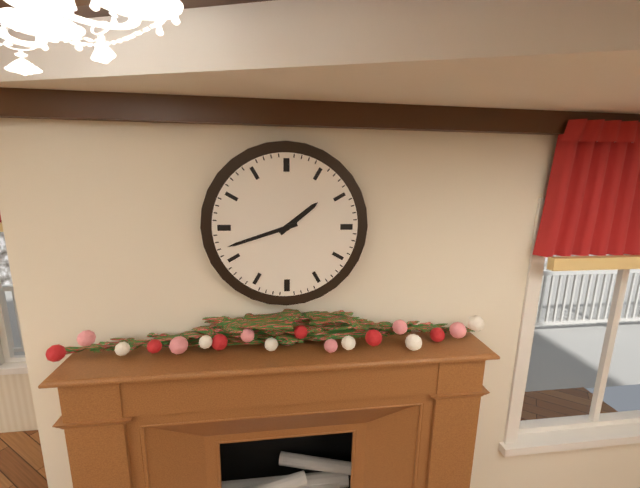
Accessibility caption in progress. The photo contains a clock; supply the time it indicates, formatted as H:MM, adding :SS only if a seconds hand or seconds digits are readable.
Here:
1:42
